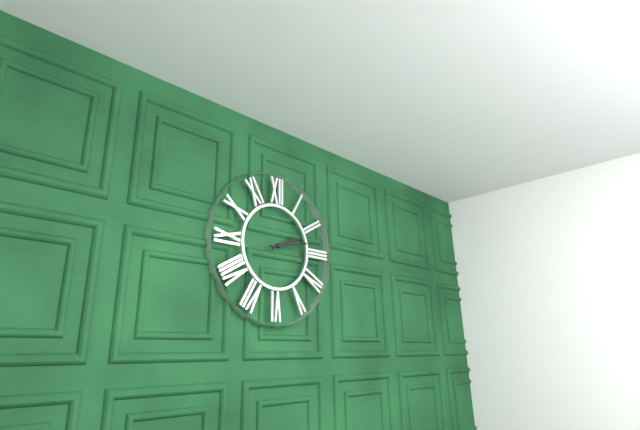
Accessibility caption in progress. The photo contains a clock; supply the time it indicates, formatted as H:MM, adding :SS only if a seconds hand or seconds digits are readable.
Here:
2:13
